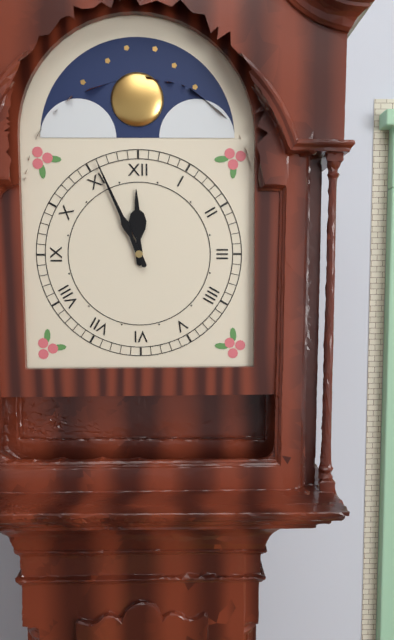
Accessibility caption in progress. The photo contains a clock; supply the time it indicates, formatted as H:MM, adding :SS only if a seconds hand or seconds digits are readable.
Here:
11:56
